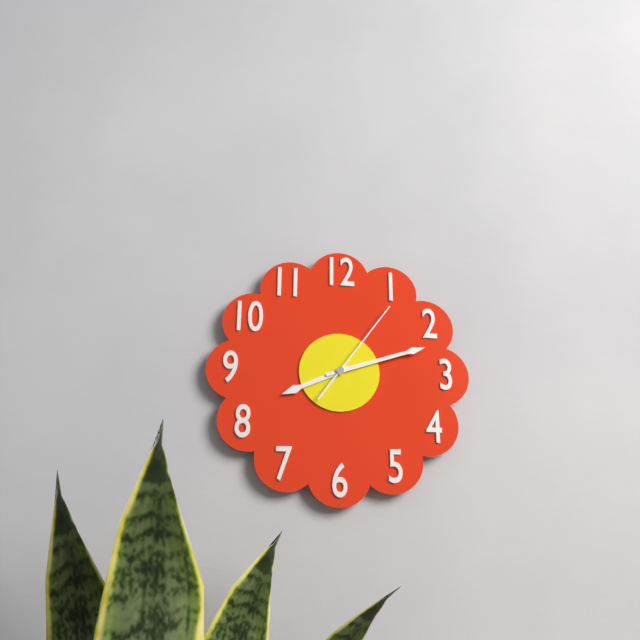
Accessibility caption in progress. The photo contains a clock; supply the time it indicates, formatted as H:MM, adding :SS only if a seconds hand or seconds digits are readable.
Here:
8:12:06
